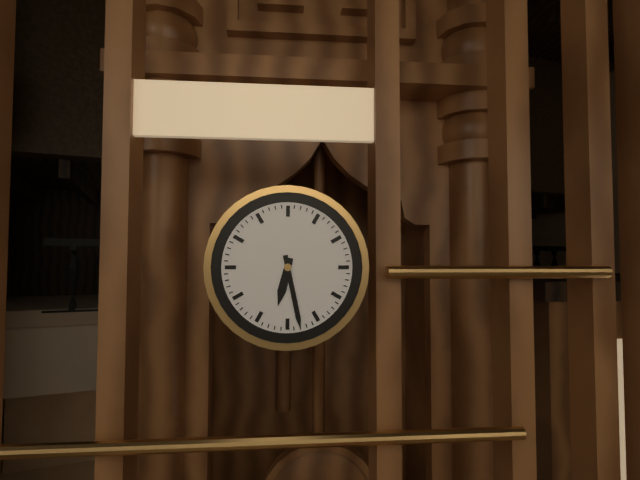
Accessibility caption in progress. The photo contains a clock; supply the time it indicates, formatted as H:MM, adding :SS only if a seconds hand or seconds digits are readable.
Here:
6:28
